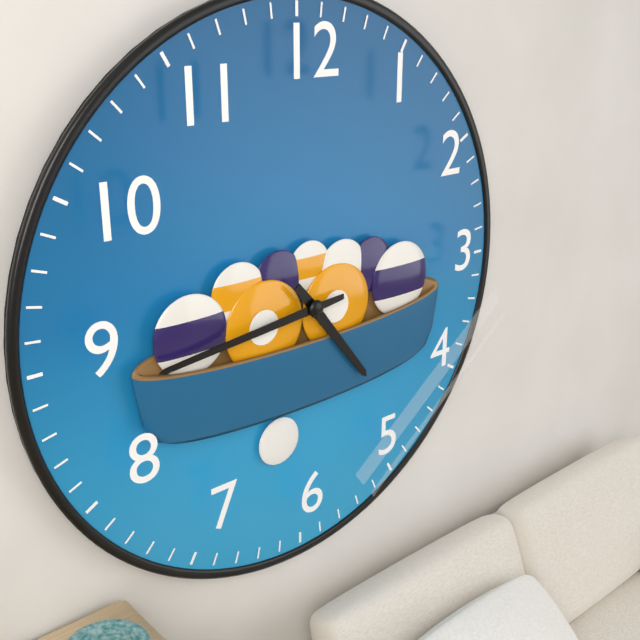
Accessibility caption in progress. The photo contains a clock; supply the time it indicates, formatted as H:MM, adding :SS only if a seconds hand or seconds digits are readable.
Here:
4:44
